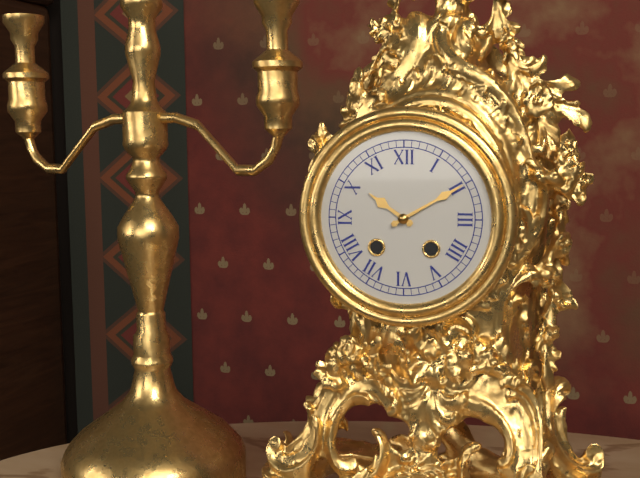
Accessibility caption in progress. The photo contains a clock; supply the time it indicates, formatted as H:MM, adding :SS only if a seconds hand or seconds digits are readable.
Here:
10:10
